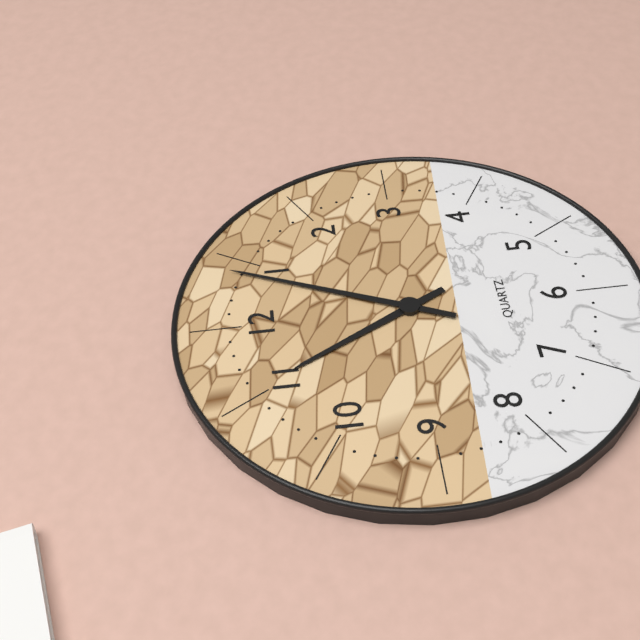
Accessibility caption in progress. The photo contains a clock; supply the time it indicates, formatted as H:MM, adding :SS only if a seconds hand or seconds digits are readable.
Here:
11:04
